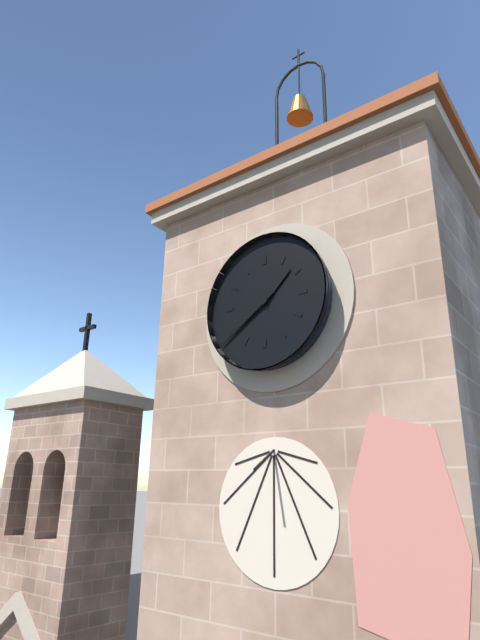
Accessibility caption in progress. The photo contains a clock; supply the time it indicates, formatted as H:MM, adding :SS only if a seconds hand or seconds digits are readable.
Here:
1:39
